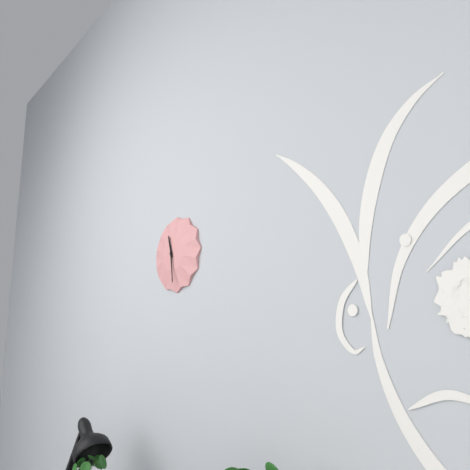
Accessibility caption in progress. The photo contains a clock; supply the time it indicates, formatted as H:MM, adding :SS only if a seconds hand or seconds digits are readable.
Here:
11:29
